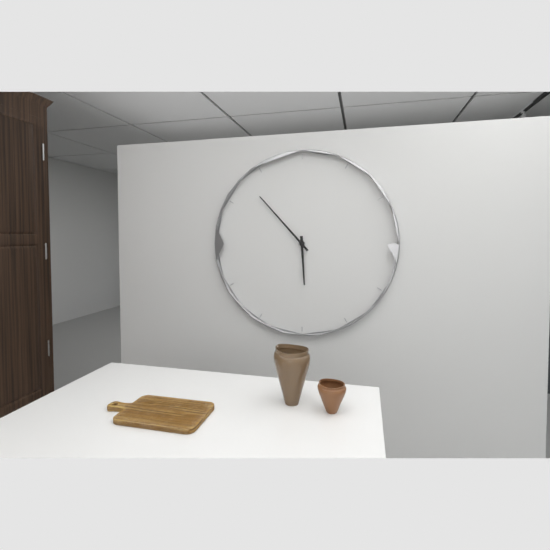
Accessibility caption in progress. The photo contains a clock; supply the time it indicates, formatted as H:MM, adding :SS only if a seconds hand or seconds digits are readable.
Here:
5:53
